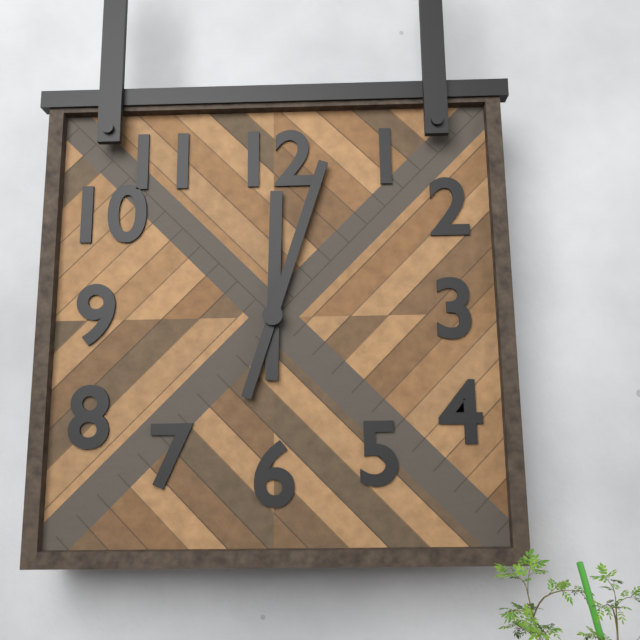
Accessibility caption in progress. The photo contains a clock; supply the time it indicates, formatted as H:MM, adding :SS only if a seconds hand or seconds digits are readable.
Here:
12:03
